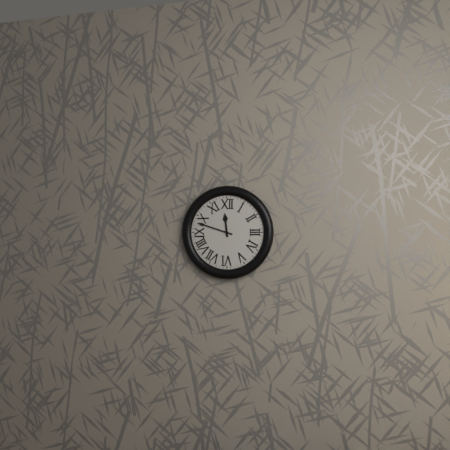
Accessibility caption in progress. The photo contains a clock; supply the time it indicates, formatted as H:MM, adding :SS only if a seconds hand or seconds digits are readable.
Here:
11:48
